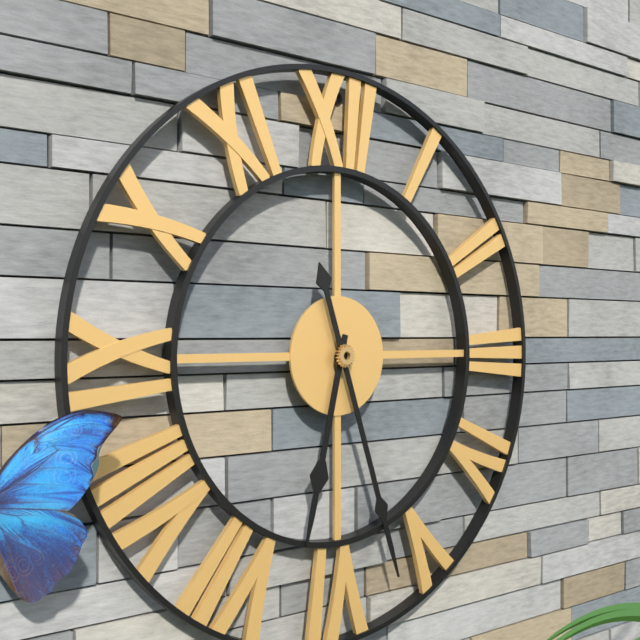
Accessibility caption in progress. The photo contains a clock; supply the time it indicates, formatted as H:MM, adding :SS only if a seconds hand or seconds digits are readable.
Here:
6:27
